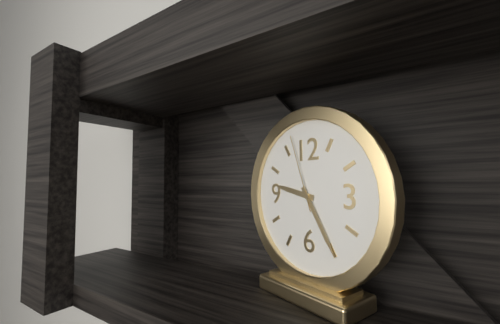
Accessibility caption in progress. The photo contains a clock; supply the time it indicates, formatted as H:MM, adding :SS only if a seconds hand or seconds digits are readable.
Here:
9:25:57
